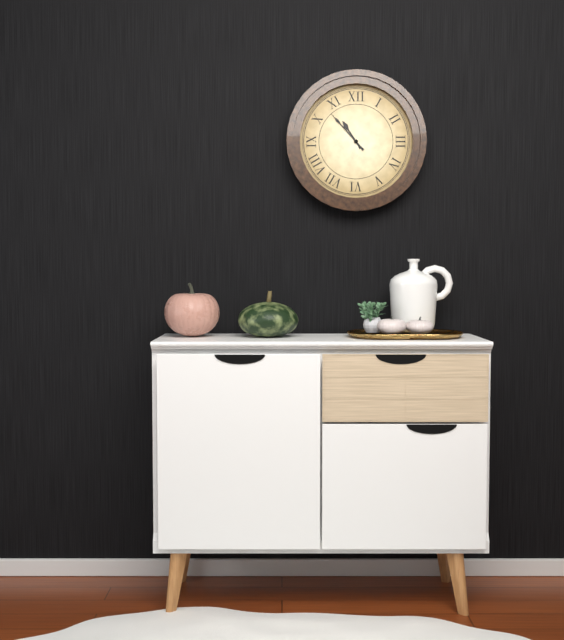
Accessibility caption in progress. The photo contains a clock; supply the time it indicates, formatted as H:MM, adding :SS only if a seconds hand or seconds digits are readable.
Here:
10:53
